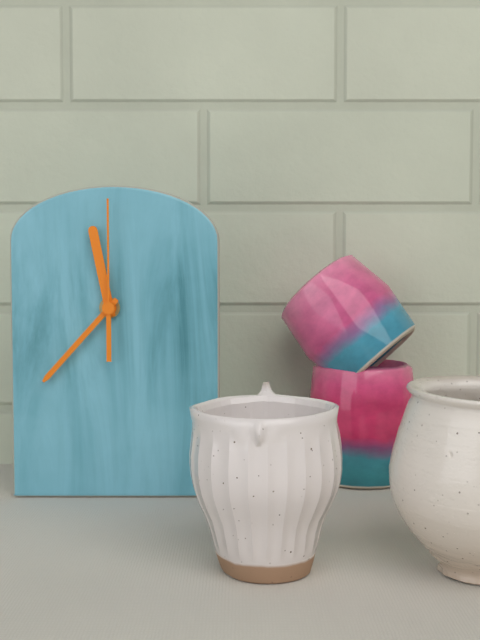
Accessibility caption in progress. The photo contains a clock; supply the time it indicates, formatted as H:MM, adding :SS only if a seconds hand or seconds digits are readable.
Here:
11:37:00
